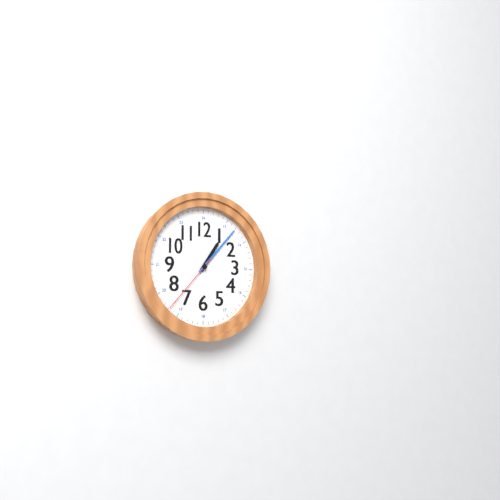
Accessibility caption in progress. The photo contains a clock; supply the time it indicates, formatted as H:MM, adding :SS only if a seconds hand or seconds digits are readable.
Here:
1:07:37
